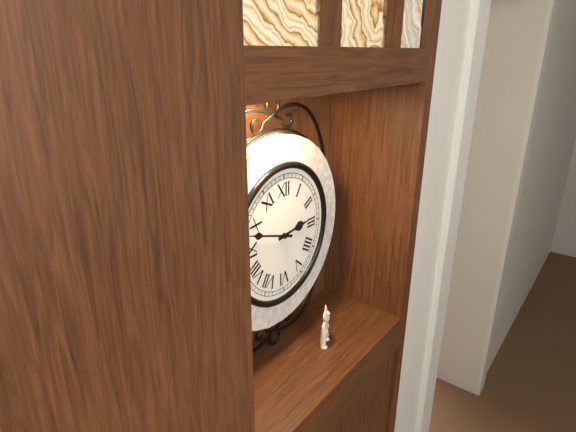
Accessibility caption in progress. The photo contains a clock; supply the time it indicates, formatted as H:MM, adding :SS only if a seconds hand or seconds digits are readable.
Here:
2:48
